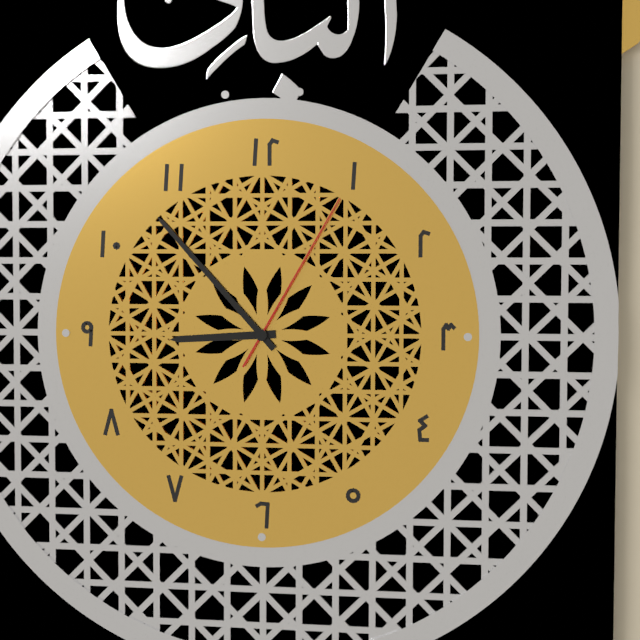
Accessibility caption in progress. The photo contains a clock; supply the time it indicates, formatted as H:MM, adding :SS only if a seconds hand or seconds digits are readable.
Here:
8:53:05
